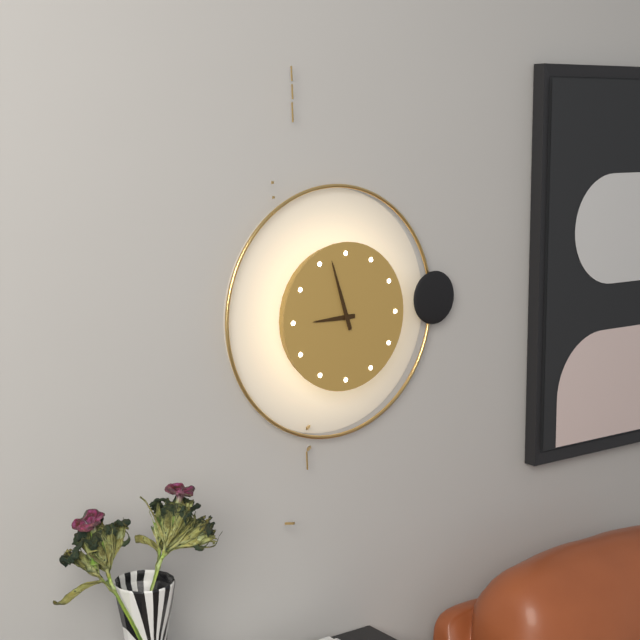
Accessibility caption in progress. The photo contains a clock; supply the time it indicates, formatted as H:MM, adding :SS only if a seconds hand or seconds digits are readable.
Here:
8:57
